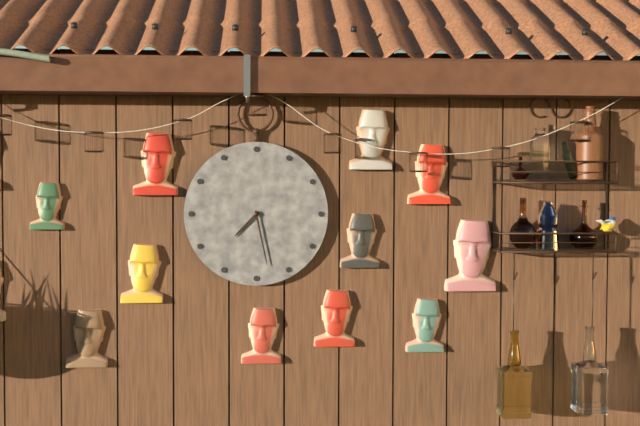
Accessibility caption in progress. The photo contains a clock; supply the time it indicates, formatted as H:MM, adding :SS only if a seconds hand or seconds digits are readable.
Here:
7:28
